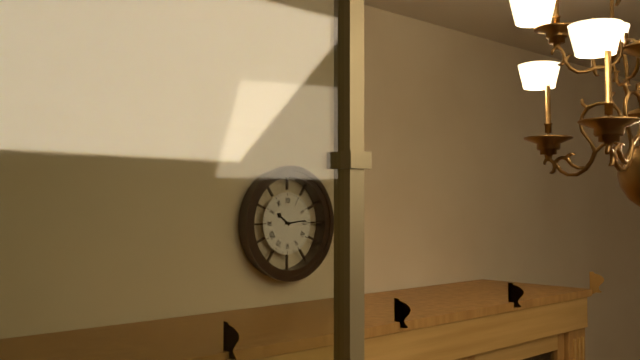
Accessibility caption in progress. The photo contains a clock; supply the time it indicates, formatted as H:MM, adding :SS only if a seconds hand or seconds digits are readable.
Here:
10:14
